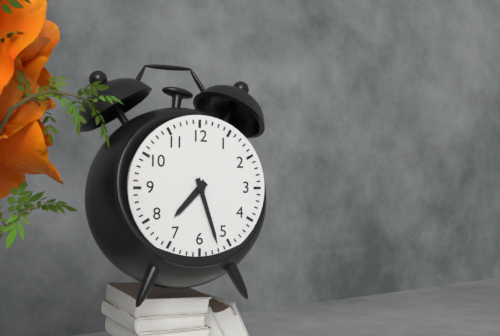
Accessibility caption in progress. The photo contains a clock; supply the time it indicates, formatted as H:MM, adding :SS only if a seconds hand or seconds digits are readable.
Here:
7:27
